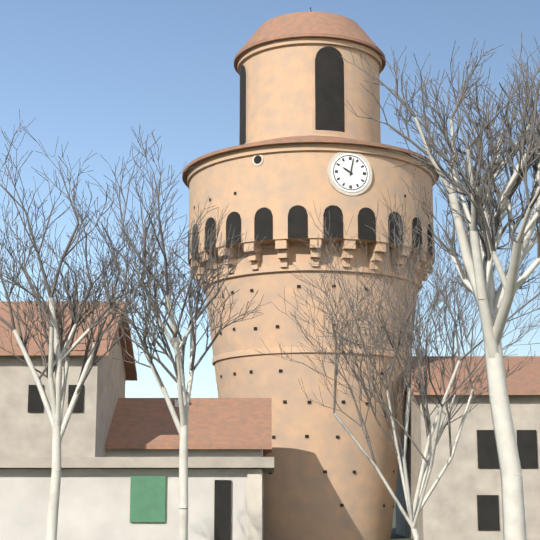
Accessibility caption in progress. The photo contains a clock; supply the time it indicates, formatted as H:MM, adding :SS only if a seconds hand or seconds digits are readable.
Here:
10:02
